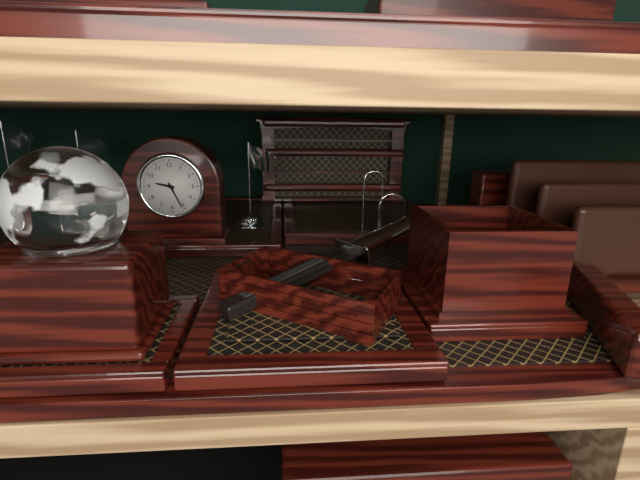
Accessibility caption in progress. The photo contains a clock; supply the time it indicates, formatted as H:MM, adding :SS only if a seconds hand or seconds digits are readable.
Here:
9:26
